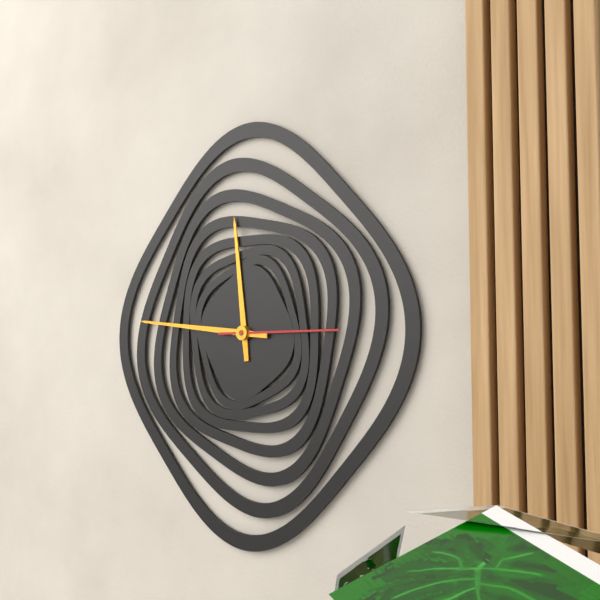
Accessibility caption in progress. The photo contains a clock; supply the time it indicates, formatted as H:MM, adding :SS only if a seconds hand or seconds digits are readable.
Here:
11:46:15
